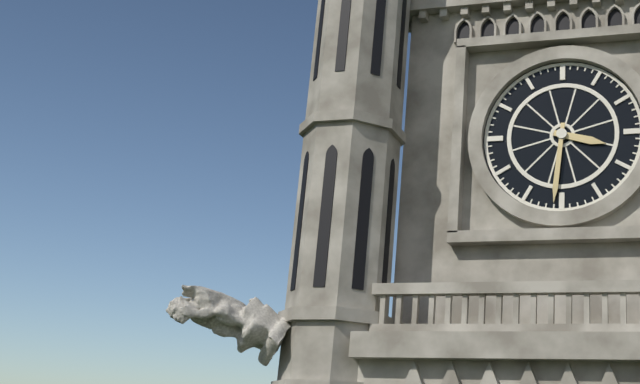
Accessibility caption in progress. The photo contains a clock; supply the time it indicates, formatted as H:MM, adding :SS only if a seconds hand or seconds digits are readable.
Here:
3:31
